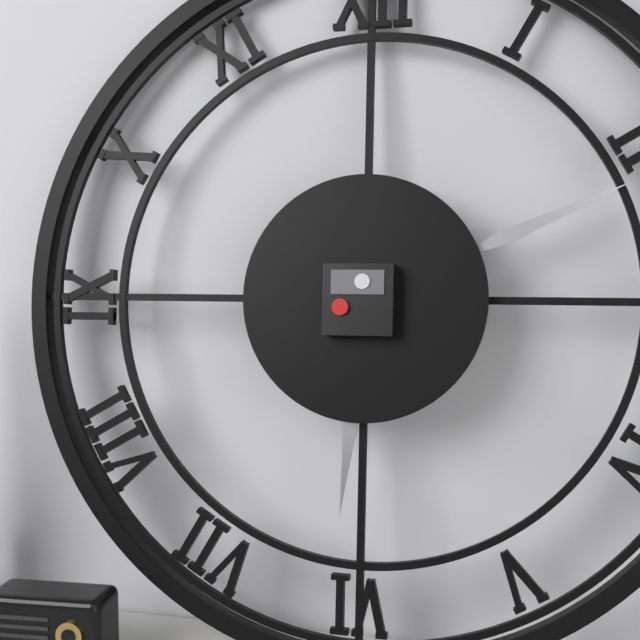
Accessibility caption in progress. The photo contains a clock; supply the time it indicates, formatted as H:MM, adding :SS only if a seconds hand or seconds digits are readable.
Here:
6:11
